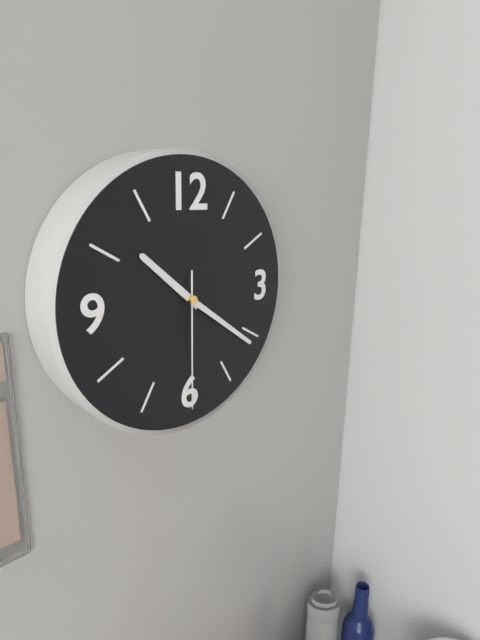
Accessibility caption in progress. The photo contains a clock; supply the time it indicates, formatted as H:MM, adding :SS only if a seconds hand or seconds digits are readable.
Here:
10:21:30
